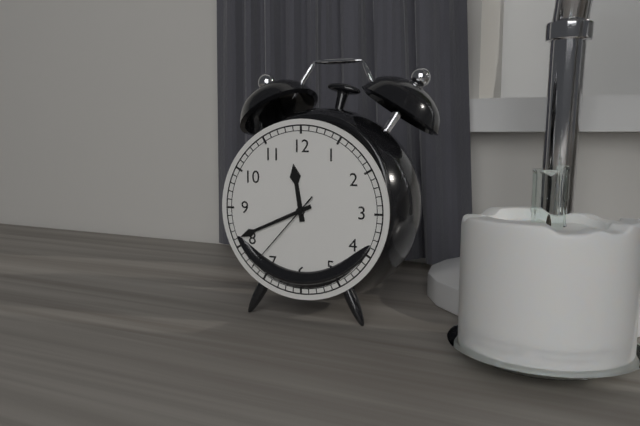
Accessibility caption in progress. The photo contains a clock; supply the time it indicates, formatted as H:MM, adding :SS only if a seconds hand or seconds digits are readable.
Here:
11:41:37
